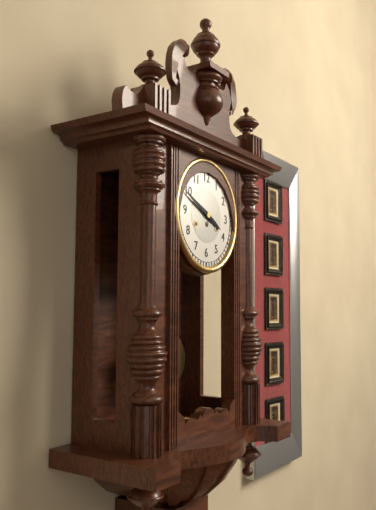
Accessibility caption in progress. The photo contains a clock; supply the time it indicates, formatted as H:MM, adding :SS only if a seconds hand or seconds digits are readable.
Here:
3:49
